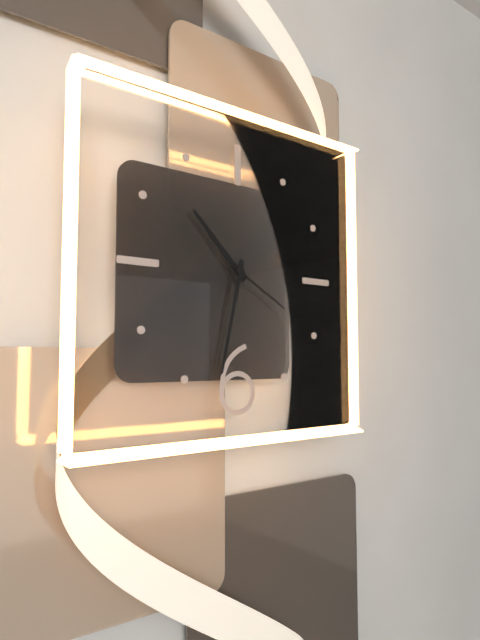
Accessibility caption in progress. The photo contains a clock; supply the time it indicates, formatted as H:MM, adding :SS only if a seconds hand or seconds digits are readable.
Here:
10:32:20
